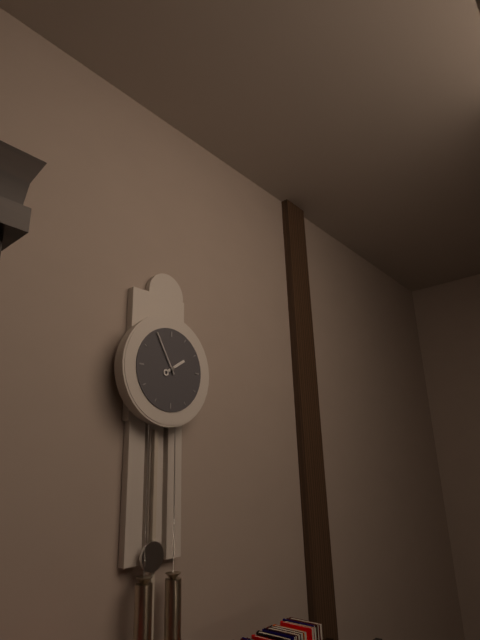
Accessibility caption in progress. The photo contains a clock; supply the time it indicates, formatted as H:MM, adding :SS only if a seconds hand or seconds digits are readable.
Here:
1:55
